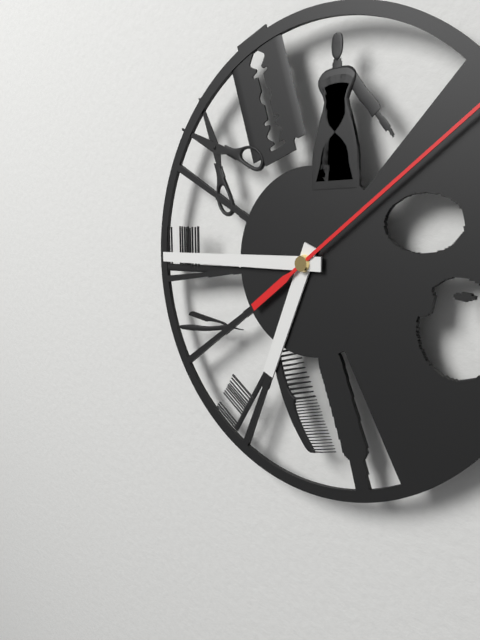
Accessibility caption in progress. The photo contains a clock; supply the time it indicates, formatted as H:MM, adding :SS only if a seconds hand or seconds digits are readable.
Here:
6:45
